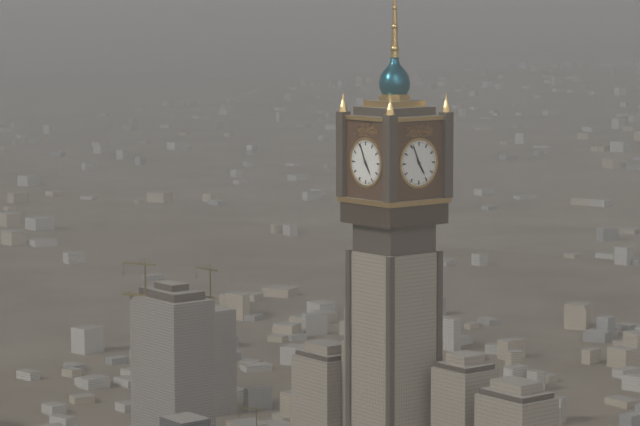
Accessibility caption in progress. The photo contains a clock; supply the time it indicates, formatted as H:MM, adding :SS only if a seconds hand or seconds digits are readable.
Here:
4:56
